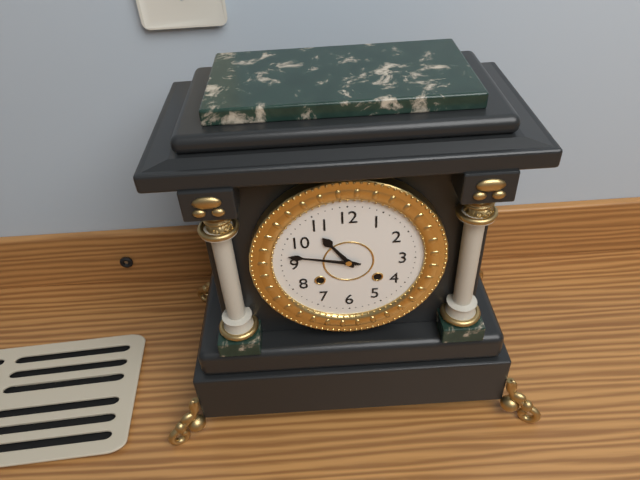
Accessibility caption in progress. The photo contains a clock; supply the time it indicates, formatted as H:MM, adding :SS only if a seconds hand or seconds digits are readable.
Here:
10:47
